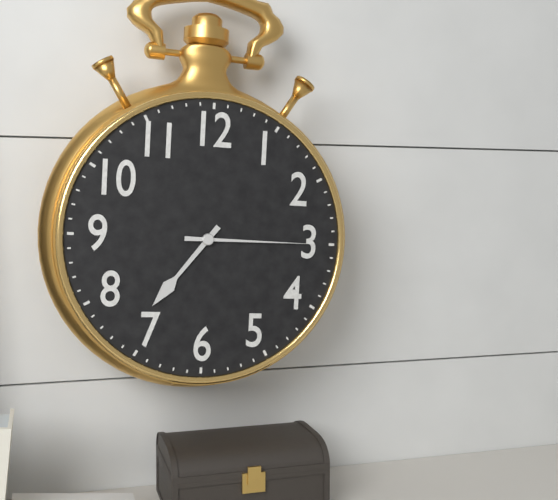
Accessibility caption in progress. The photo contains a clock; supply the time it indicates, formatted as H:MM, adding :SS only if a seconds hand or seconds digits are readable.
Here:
7:15
